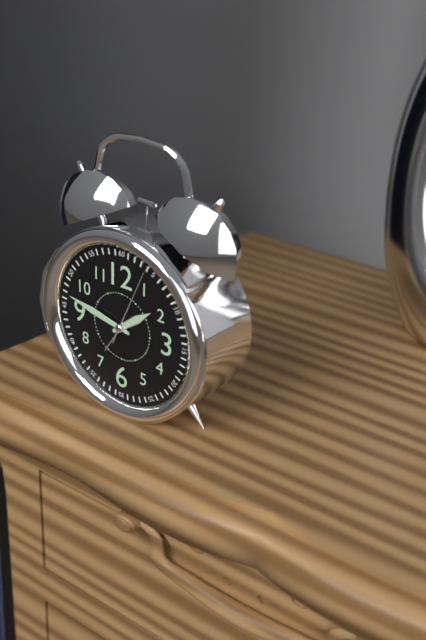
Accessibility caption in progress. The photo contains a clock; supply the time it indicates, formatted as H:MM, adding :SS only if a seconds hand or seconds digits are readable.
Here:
1:47:04
